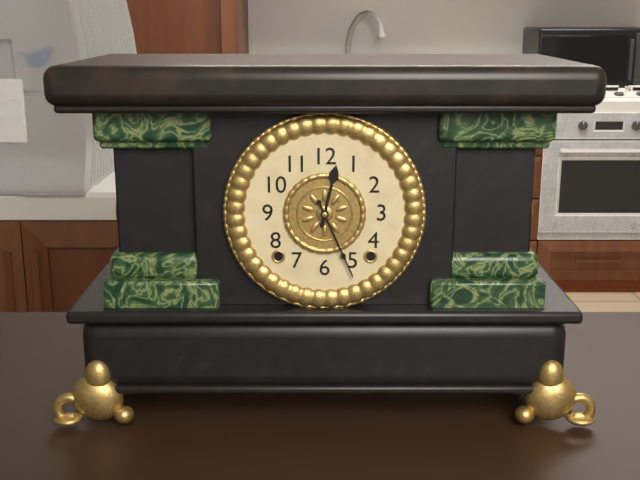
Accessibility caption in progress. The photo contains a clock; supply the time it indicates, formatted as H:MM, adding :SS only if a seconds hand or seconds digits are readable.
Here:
12:26
